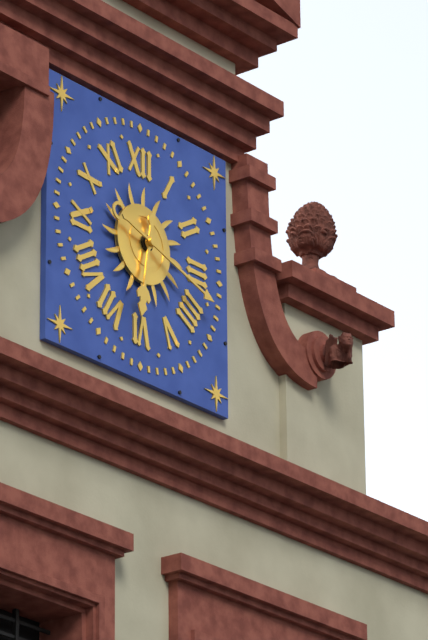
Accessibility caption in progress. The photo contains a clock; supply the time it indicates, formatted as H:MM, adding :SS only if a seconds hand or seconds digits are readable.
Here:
6:18
